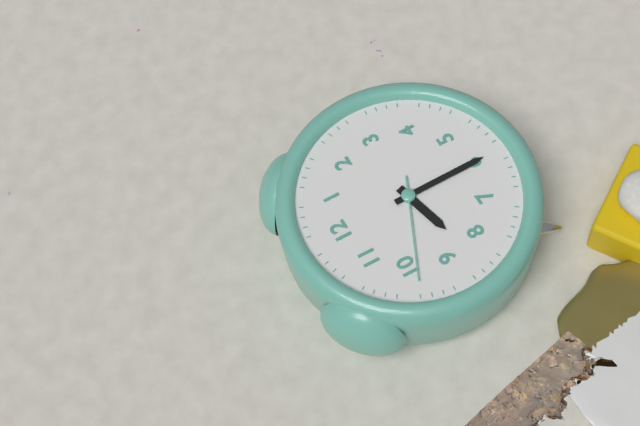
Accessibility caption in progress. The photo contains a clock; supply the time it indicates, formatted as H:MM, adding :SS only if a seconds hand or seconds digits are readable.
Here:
8:30:49
